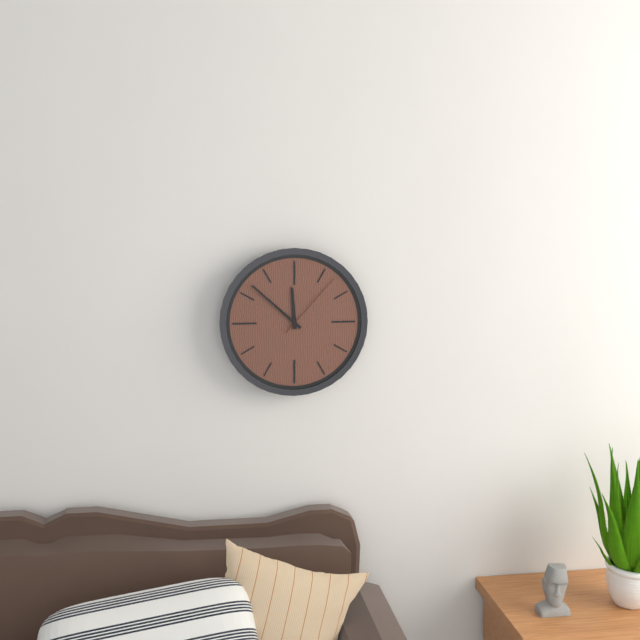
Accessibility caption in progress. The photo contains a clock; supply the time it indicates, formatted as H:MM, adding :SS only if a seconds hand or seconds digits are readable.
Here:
11:52:07
